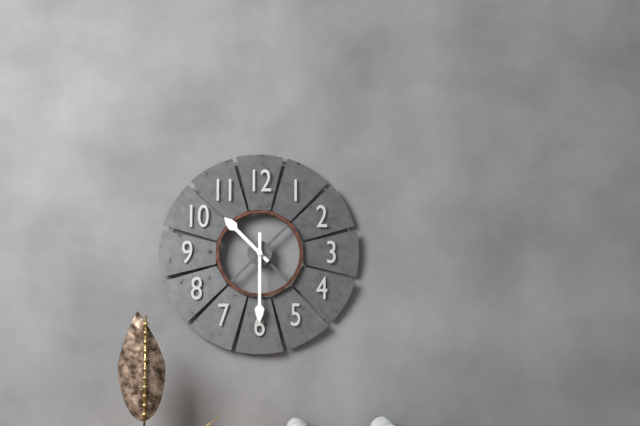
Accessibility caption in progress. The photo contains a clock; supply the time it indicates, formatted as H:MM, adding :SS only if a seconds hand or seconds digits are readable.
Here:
10:30
